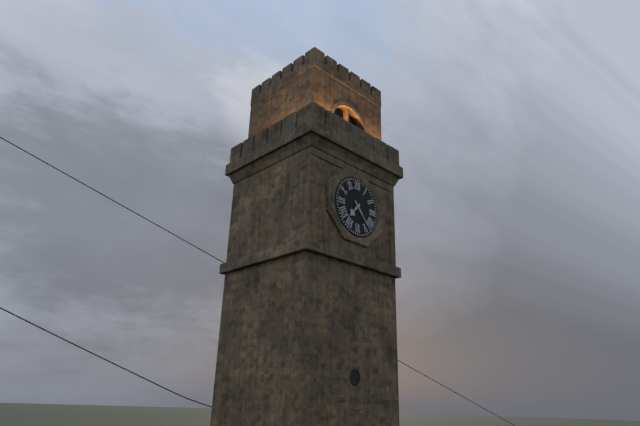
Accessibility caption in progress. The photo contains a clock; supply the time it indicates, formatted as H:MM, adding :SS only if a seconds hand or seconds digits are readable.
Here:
7:23
